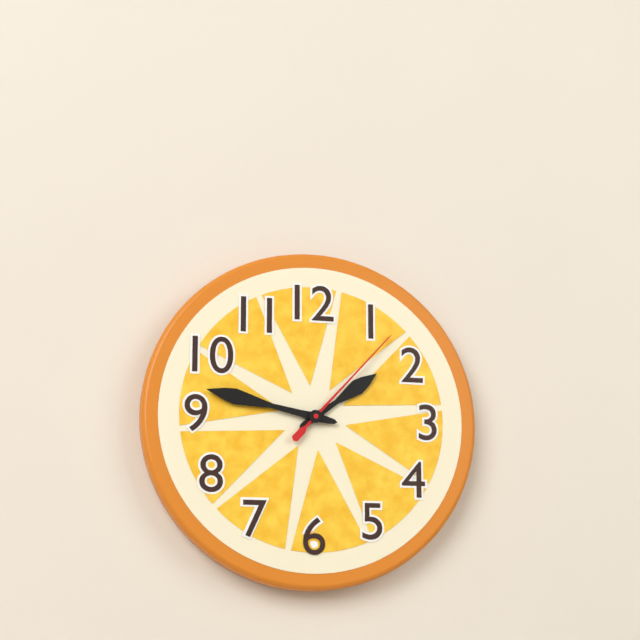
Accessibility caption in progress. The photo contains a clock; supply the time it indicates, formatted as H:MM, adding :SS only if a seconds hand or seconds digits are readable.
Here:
1:47:07
